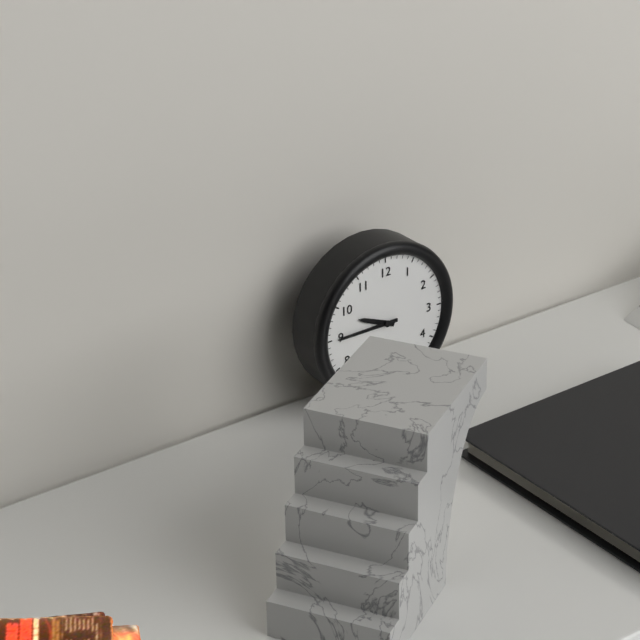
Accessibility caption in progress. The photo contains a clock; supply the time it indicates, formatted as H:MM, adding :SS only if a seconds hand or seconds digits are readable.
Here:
9:45
